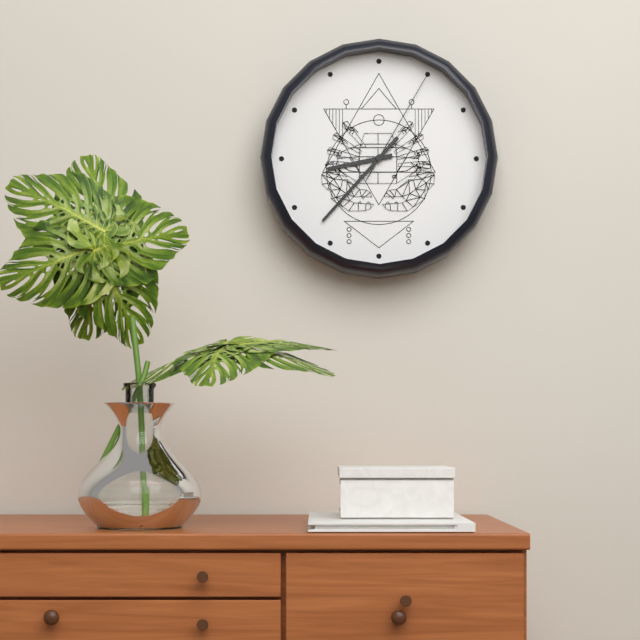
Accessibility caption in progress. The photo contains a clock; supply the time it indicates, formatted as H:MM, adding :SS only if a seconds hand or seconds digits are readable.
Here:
8:37:05
